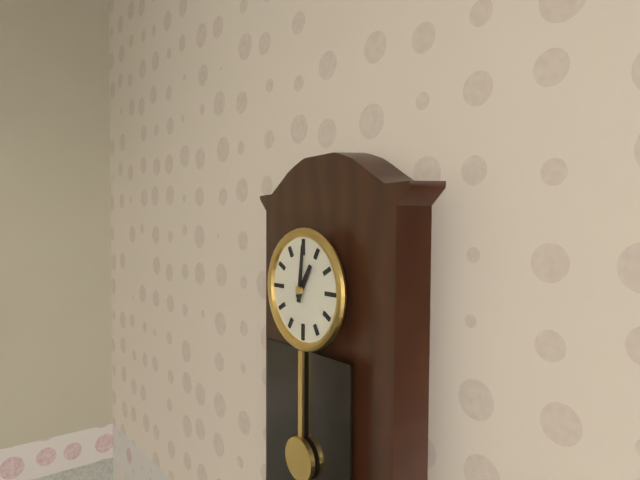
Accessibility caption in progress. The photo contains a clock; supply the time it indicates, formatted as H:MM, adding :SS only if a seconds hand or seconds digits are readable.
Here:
1:01
